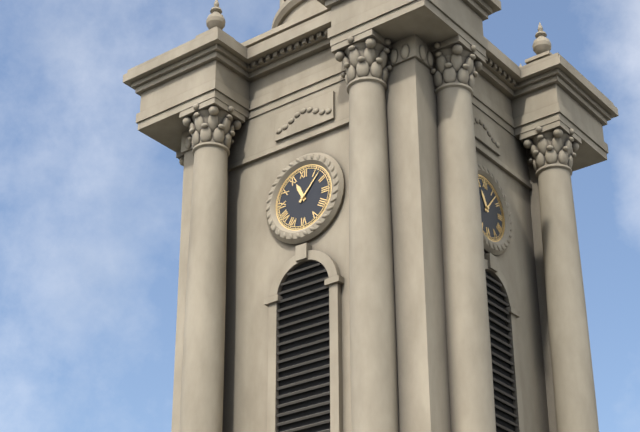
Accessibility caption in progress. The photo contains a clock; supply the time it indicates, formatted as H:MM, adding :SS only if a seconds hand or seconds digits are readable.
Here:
11:07
